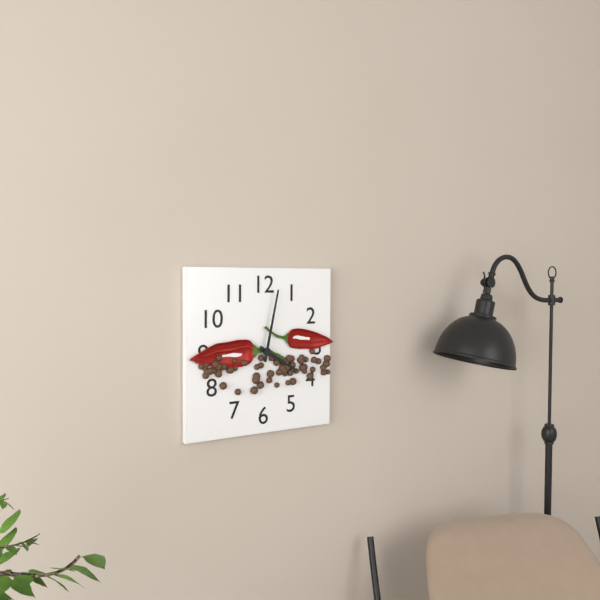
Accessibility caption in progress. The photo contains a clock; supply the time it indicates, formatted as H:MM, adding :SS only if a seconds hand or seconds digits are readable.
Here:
4:02
